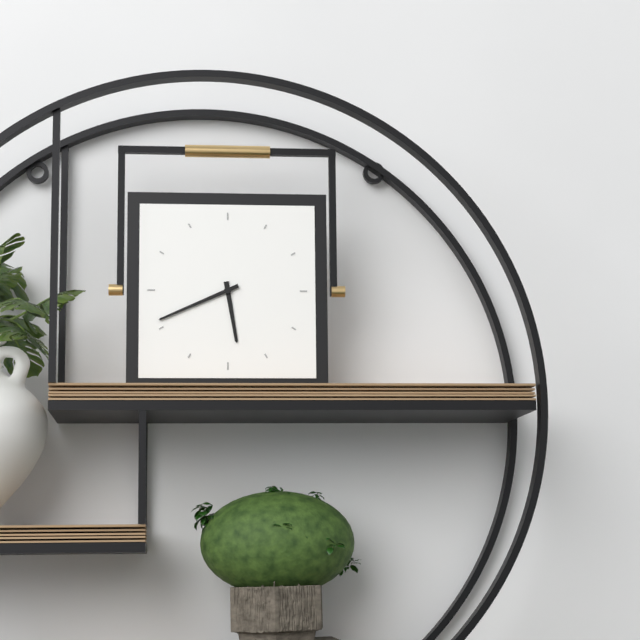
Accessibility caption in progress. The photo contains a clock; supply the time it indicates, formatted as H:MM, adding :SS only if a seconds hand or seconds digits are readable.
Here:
5:41
